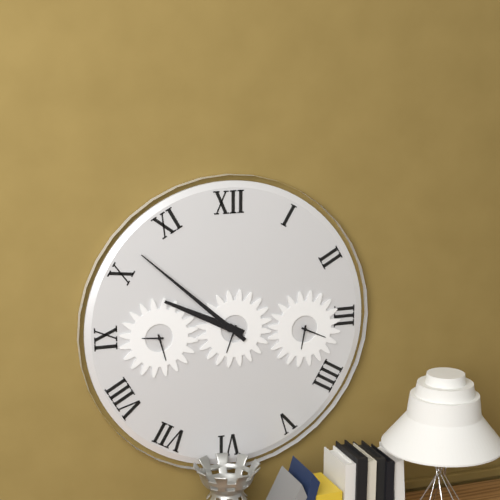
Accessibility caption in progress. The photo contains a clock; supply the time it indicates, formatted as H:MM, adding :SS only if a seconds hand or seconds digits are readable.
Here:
9:52
